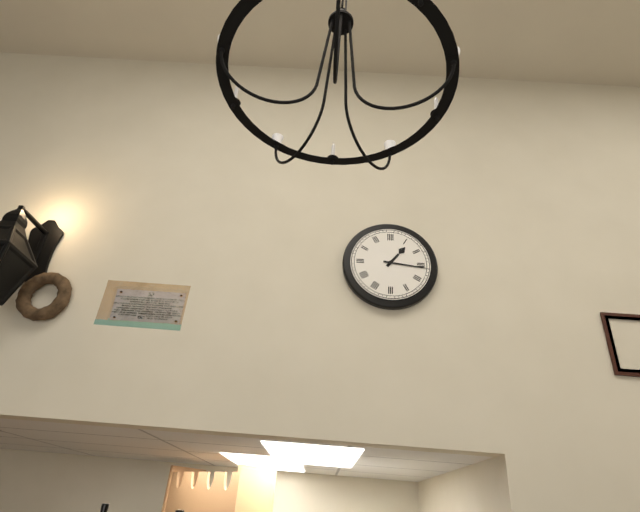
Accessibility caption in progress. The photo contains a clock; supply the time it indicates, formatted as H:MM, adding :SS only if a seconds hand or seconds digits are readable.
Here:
1:16
